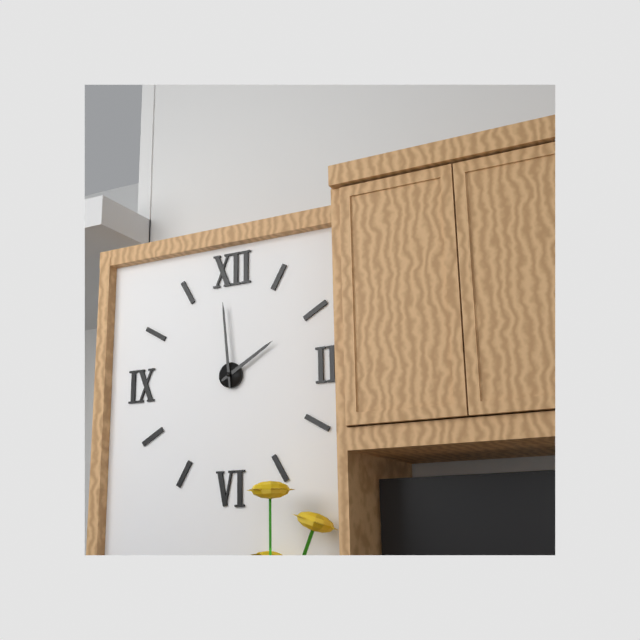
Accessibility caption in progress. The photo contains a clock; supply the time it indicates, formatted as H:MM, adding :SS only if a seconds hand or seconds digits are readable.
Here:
1:59
